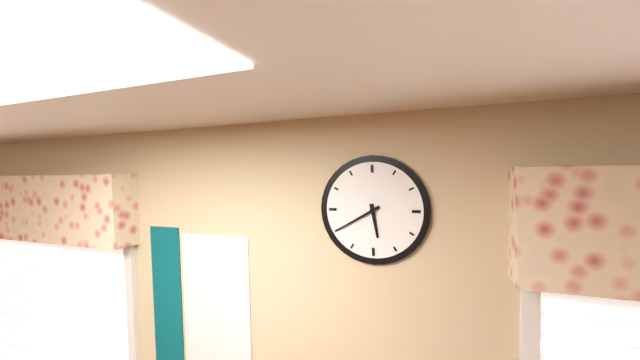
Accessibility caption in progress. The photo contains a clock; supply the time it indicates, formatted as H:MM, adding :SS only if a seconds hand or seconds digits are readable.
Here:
5:40
